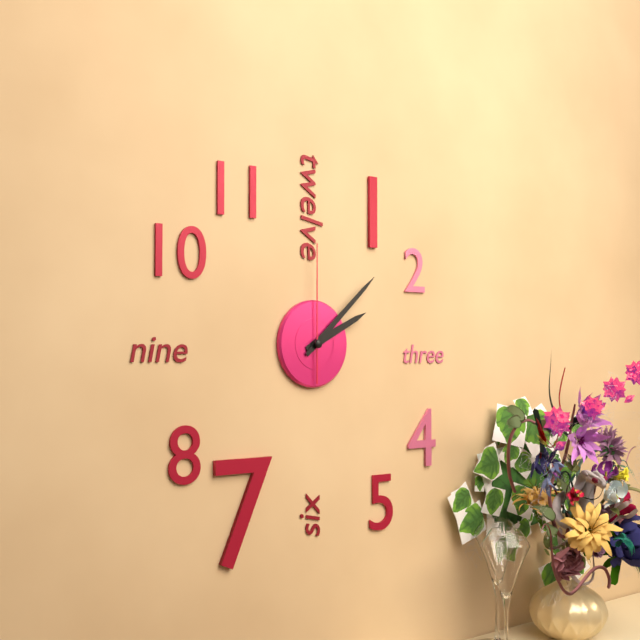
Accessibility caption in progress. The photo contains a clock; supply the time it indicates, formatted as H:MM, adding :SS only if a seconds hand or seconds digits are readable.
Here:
2:08:00
